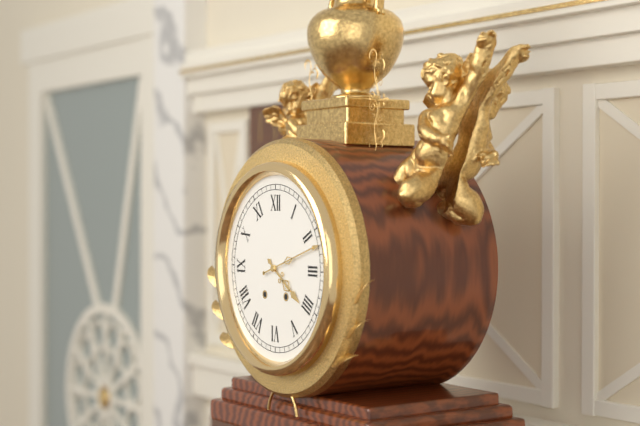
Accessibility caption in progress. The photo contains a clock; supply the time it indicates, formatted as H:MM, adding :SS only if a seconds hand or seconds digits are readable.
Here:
4:12
